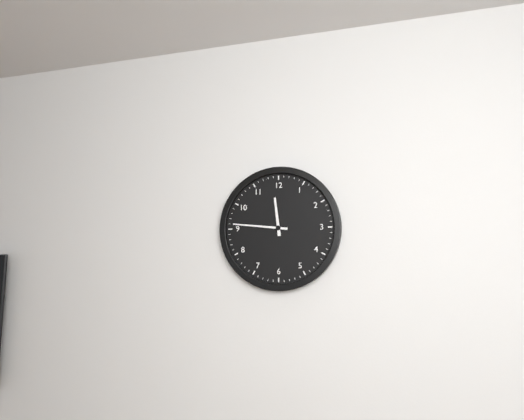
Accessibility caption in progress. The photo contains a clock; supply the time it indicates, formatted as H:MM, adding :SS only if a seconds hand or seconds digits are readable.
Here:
11:46
